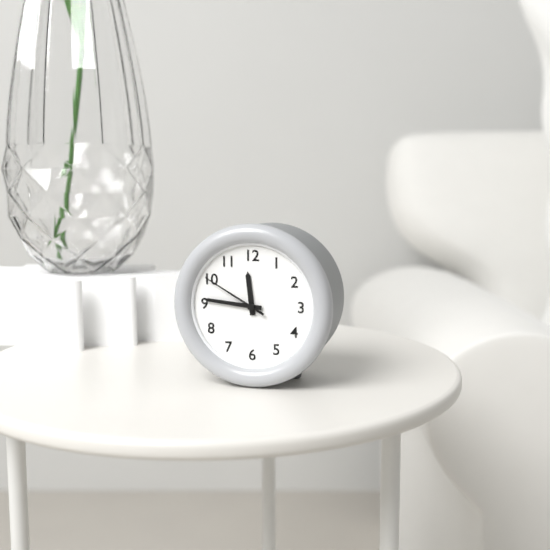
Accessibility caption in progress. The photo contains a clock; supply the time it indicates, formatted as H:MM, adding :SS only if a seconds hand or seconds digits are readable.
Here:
11:46:50
